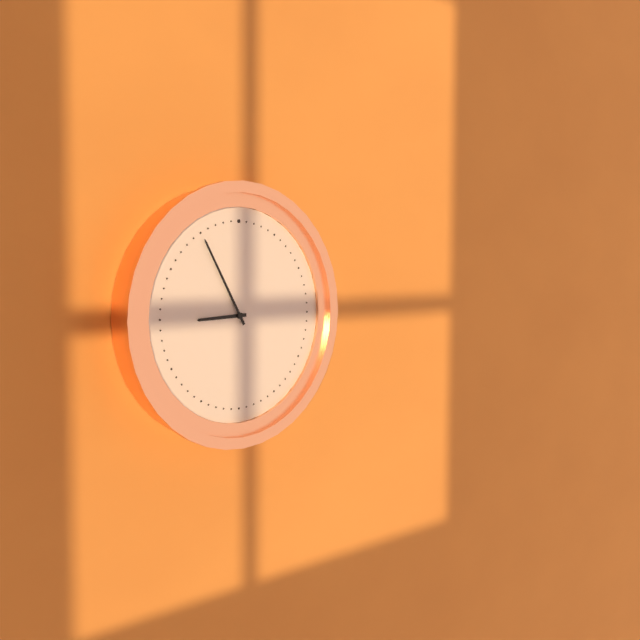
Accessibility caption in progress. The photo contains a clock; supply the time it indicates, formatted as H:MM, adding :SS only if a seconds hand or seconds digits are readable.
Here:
8:55
